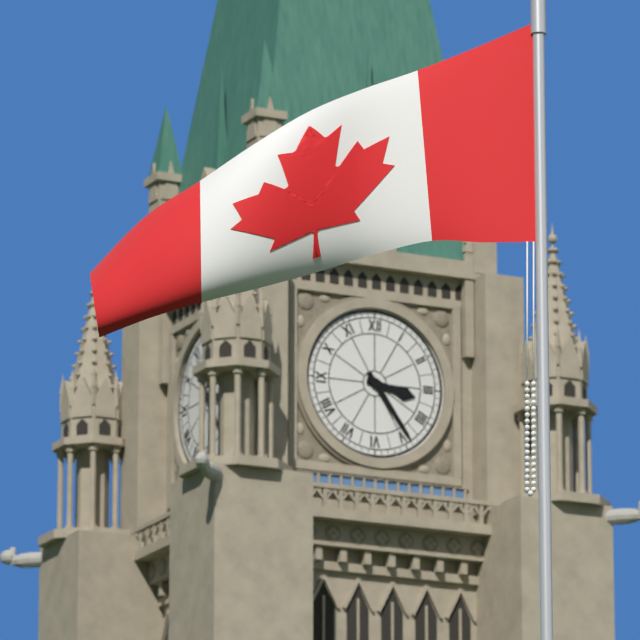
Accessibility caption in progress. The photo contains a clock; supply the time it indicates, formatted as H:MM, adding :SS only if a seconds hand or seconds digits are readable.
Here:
3:24
